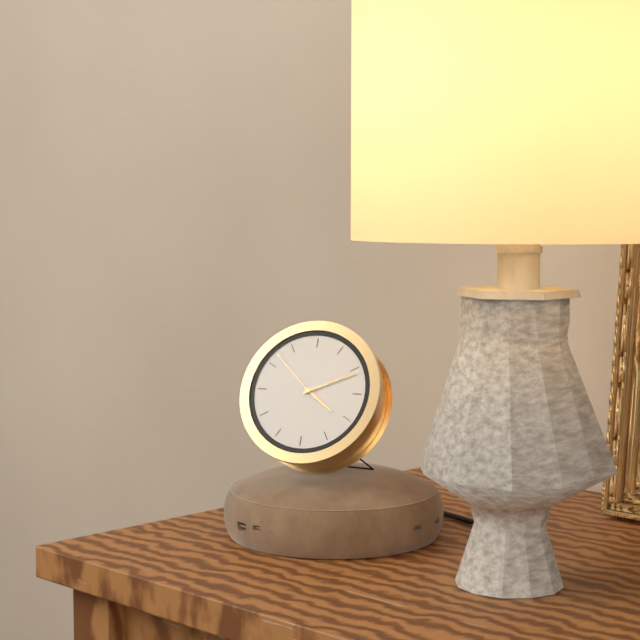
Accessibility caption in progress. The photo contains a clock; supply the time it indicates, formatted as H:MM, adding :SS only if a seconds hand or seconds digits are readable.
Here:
4:11:52
